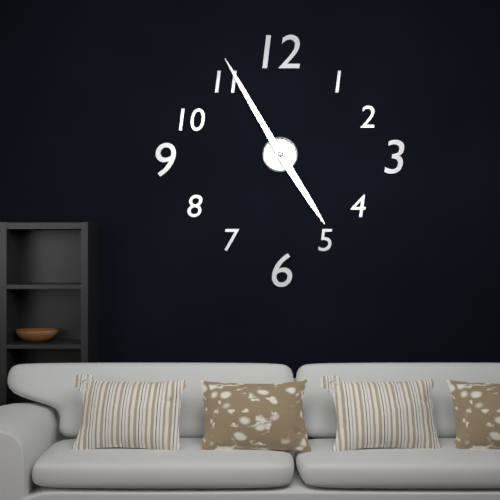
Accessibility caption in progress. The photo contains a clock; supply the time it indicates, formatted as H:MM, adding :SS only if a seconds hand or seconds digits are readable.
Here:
4:55
